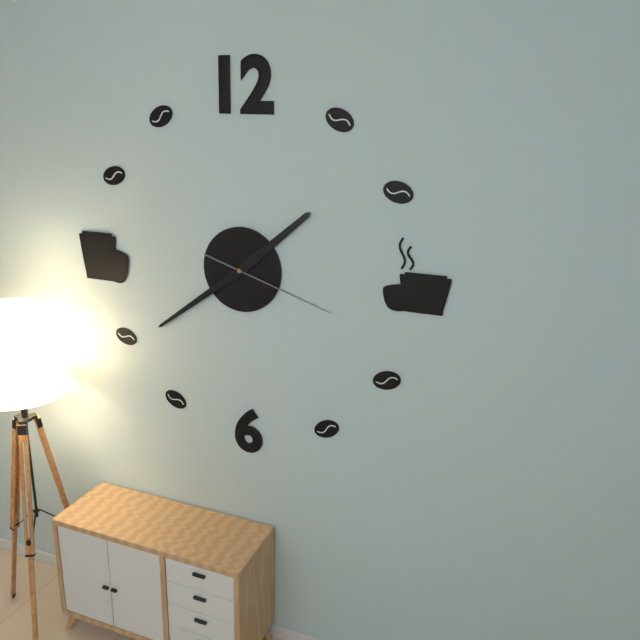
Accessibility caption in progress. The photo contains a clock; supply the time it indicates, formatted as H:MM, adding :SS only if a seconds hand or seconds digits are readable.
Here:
1:39:18
